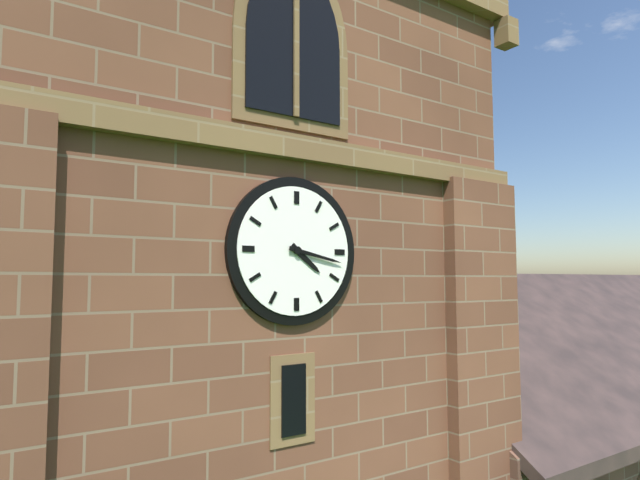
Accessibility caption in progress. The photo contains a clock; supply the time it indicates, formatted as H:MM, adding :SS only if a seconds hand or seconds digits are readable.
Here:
4:17
